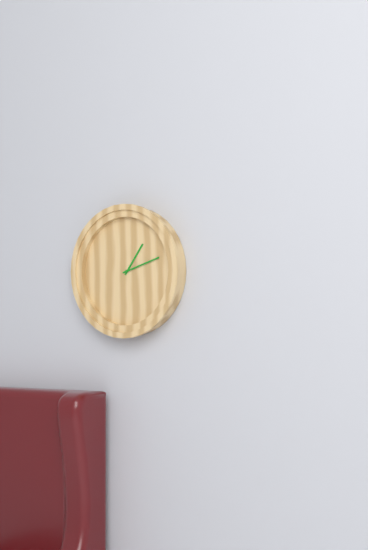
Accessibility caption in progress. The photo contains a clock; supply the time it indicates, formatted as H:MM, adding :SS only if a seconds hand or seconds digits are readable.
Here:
1:12
